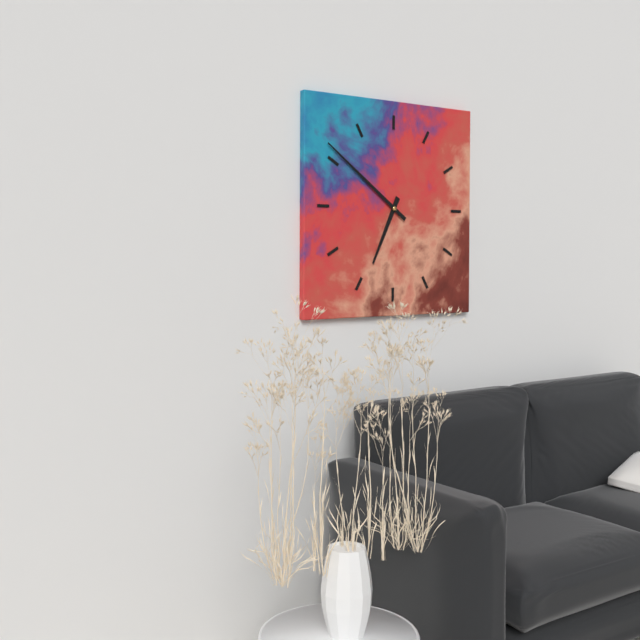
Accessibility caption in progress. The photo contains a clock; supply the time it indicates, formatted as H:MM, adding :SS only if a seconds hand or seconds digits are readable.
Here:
6:51
